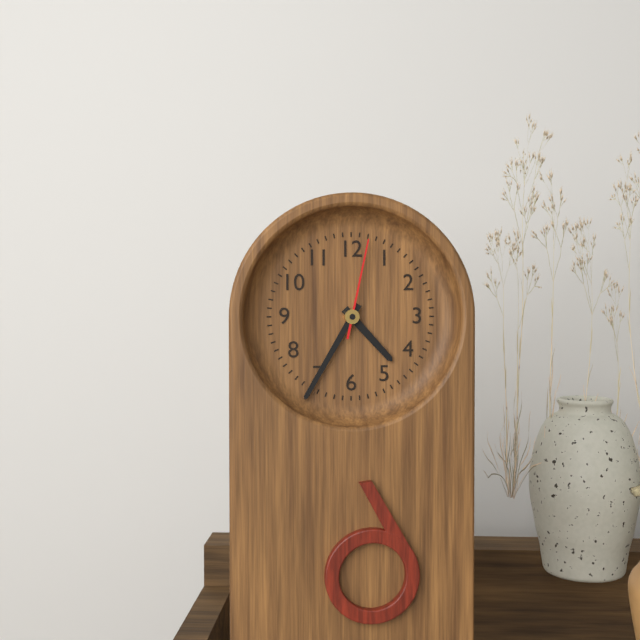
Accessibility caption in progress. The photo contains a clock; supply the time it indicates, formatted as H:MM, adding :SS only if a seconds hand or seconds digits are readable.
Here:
4:35:02
